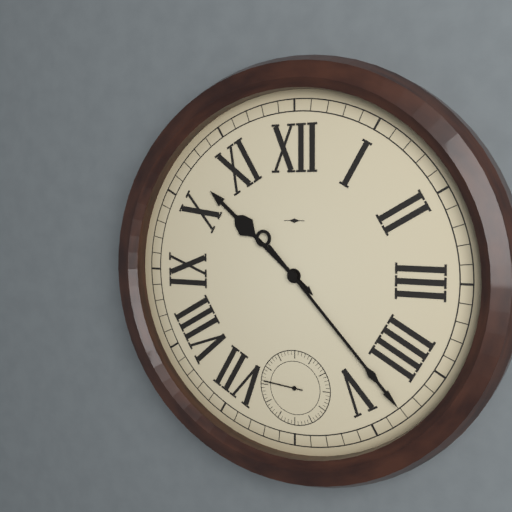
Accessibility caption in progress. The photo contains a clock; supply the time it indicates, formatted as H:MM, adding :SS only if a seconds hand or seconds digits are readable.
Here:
10:23
